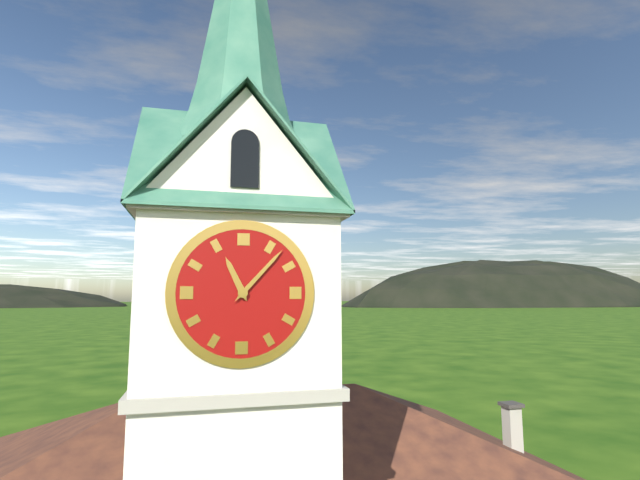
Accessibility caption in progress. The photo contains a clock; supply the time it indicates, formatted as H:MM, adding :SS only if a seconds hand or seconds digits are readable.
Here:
11:07
